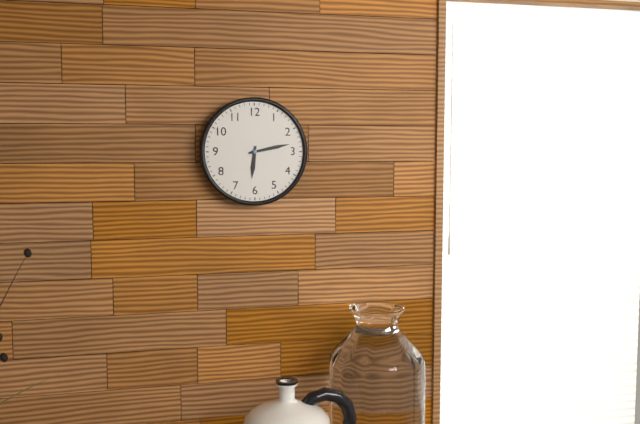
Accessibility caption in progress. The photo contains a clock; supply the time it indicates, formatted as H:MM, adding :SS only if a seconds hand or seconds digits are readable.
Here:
6:13
